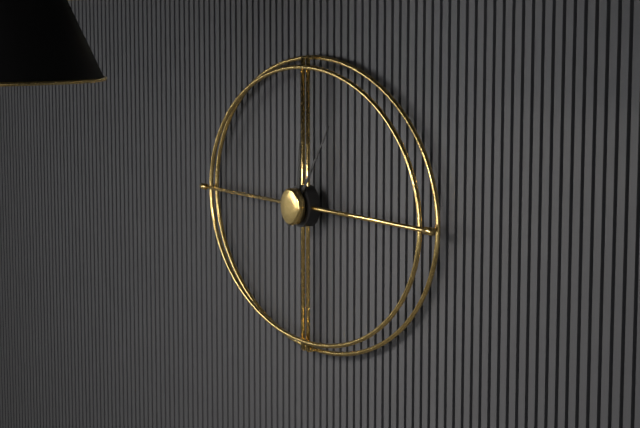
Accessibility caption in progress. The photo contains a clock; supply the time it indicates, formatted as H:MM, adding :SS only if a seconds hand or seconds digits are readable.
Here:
12:06
